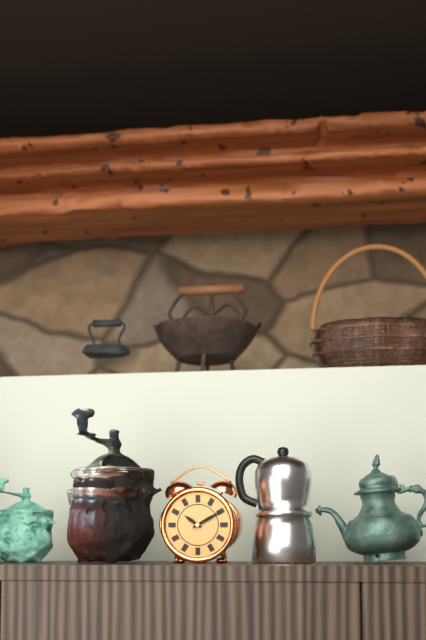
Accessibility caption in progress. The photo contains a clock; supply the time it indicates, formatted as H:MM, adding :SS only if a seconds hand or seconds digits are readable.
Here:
10:10
